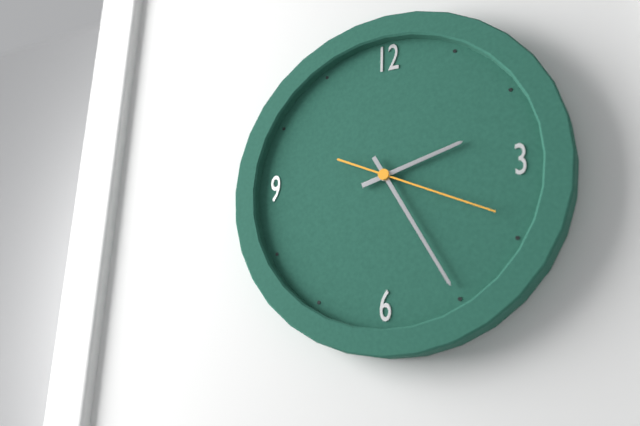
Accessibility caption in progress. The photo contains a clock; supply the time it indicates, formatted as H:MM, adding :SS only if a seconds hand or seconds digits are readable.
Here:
2:25:19
